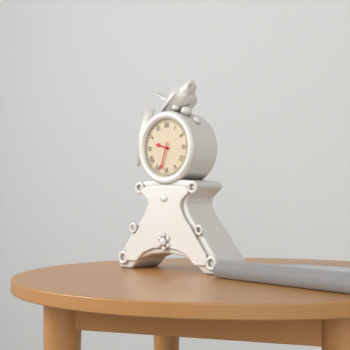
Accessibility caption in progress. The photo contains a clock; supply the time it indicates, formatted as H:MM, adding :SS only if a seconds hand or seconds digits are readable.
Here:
9:33
